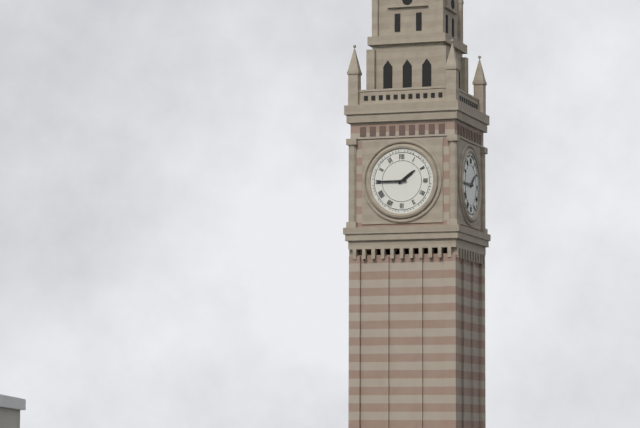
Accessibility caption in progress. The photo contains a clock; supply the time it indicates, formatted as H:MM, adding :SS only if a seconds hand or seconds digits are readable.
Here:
1:45
